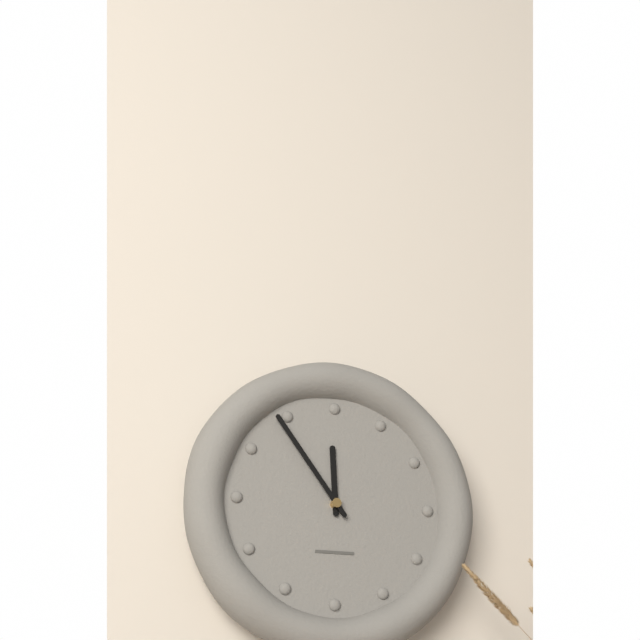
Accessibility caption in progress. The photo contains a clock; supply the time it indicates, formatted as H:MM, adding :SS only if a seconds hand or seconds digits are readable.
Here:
11:54
